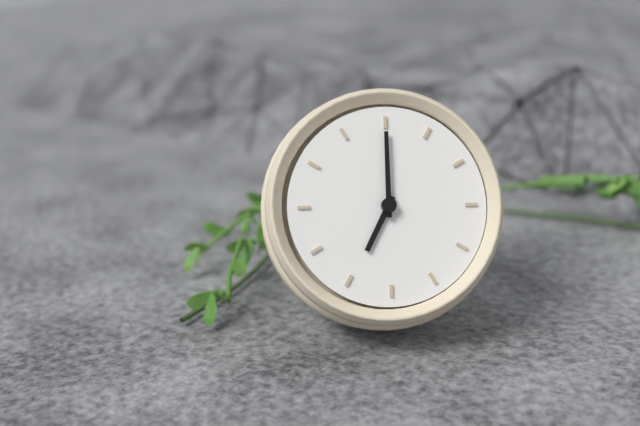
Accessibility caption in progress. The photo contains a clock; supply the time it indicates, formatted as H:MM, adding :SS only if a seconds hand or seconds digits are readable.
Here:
5:55
